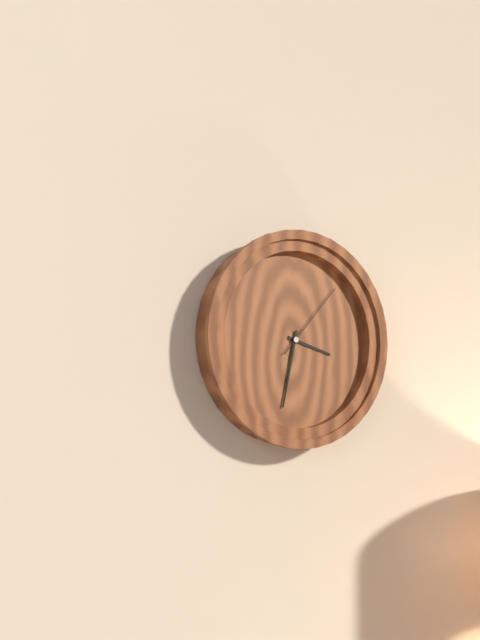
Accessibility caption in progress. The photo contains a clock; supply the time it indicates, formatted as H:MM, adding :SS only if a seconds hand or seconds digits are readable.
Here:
3:32:07
